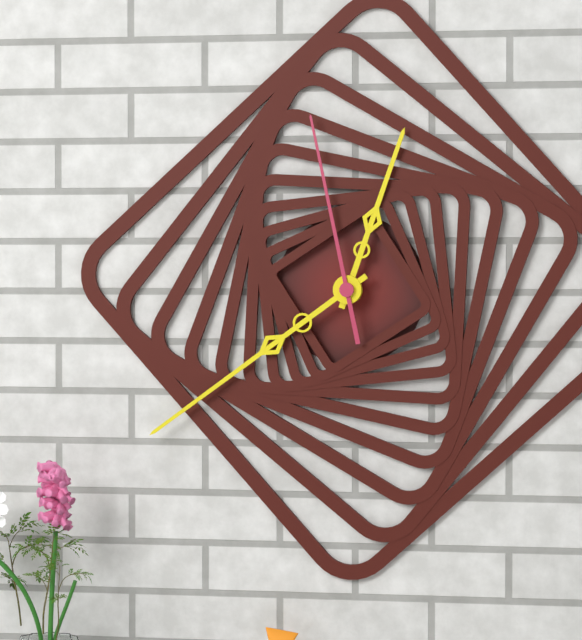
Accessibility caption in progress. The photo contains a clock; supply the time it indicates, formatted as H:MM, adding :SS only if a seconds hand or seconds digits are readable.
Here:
12:39:58
